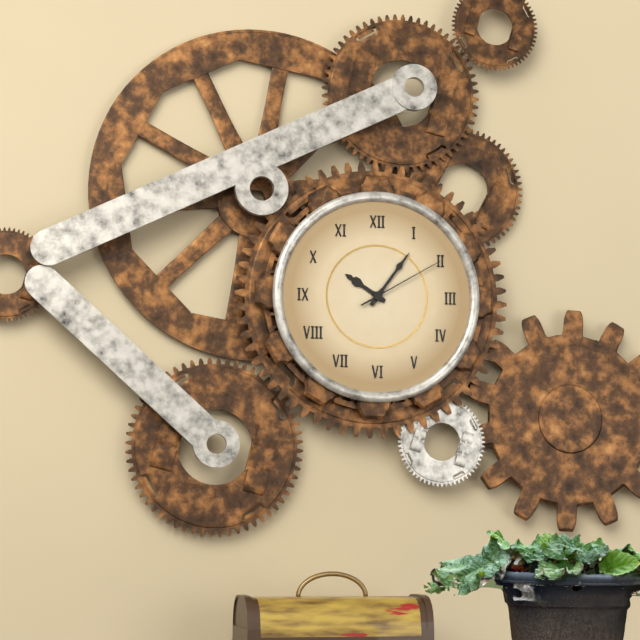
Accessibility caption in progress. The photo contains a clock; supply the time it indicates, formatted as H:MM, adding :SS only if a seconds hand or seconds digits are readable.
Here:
10:06:10
